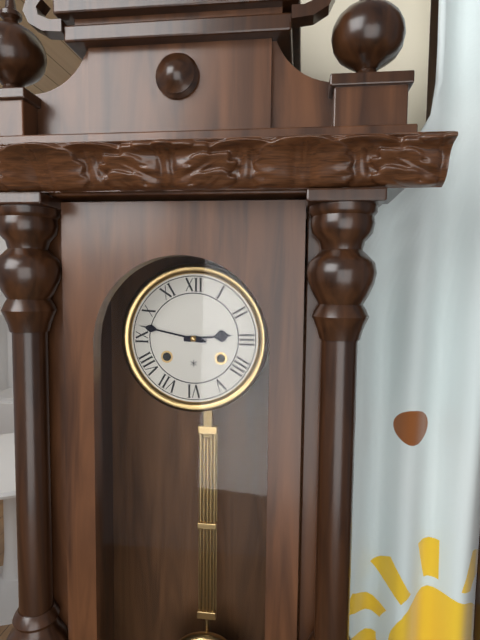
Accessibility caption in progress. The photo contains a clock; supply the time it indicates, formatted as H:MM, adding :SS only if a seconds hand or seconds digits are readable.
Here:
2:47
